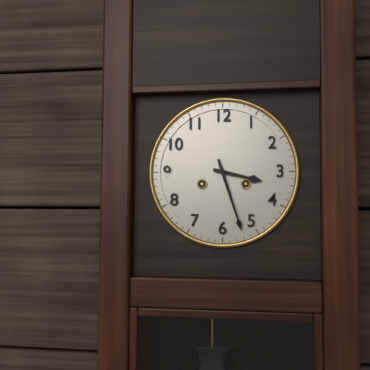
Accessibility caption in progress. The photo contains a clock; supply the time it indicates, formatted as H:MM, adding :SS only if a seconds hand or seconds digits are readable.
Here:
3:27
